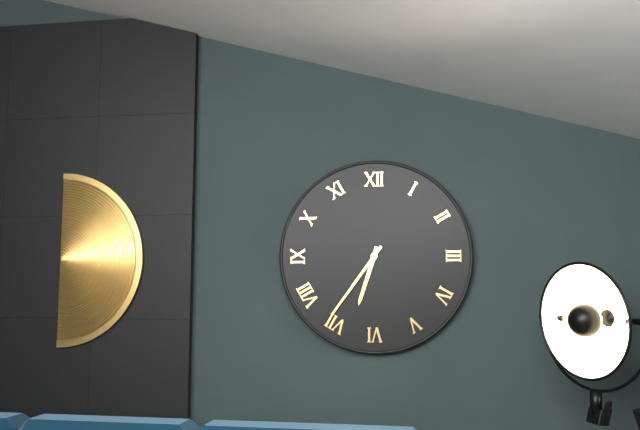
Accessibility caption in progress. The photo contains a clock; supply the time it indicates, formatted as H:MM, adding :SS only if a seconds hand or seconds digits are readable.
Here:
6:36
